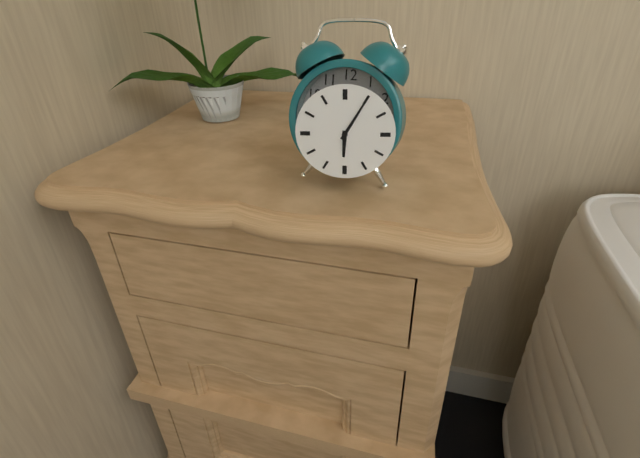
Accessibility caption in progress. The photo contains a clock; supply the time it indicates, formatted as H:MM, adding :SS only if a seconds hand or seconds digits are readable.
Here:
6:05
